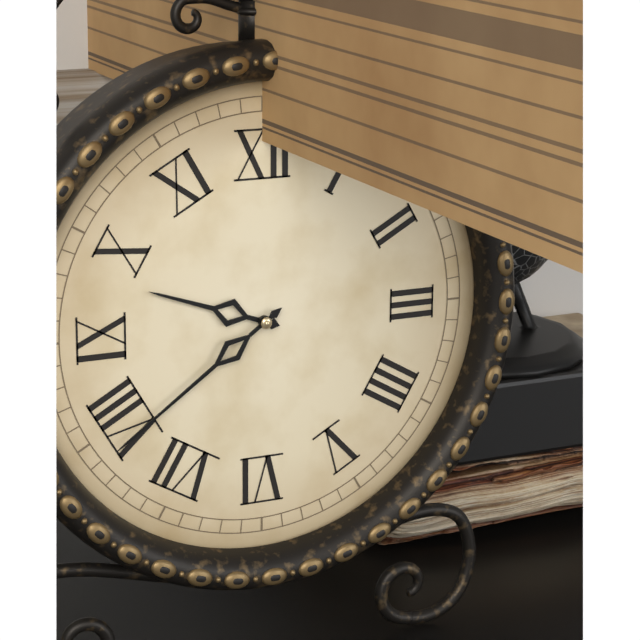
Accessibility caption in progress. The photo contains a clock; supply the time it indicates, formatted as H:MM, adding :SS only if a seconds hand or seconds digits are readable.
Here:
9:39
